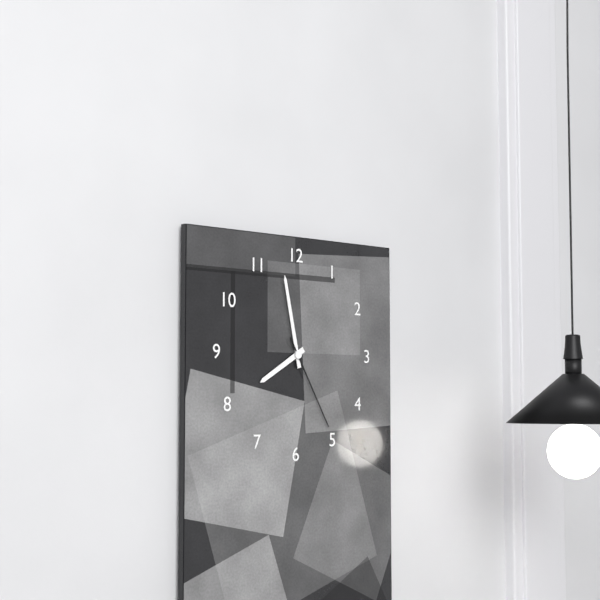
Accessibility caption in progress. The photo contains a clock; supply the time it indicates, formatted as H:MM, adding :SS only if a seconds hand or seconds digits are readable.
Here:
7:58:25
